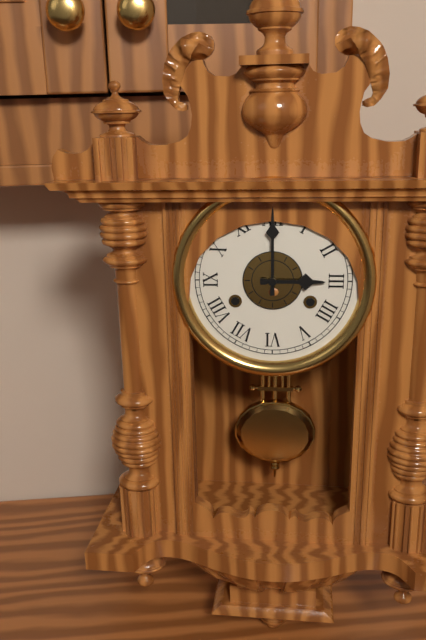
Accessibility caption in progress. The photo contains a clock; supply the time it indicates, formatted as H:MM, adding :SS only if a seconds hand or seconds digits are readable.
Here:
3:00
